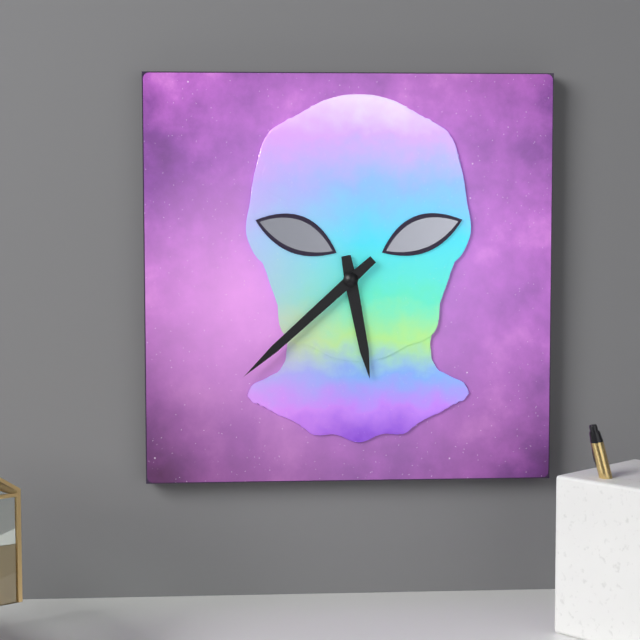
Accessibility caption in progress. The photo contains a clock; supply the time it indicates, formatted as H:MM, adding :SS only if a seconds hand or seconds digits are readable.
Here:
5:38
